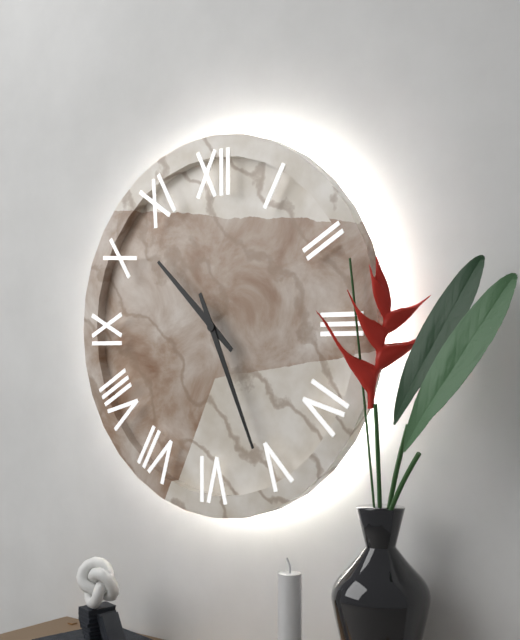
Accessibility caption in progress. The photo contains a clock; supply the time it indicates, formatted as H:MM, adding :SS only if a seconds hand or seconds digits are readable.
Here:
10:26
